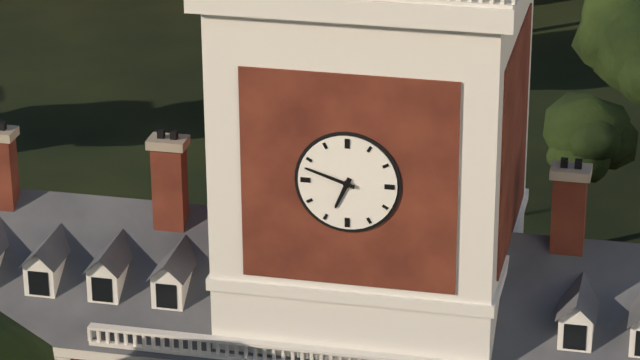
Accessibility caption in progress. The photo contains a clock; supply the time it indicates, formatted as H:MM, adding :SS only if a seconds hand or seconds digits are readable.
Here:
6:48
